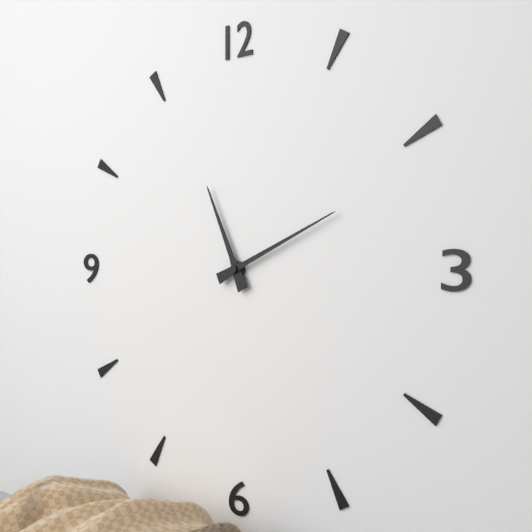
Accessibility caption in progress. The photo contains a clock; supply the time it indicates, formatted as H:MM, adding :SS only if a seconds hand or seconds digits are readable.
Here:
11:11
